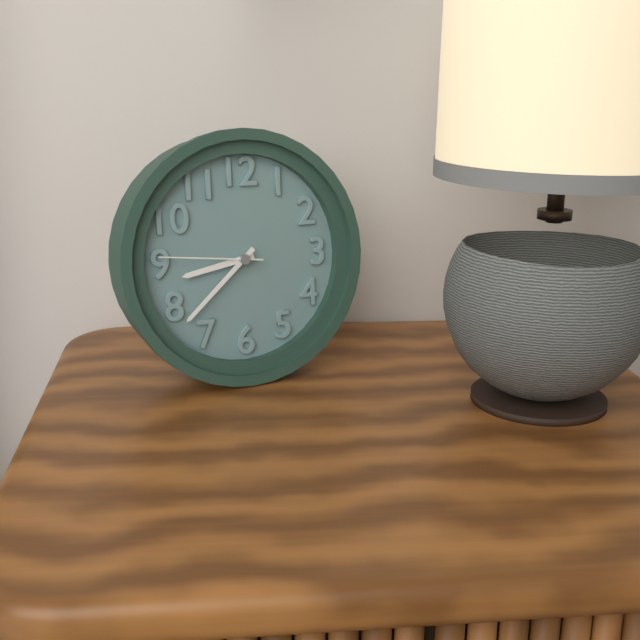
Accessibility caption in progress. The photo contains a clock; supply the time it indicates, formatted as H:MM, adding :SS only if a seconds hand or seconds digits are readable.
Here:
8:38:46
